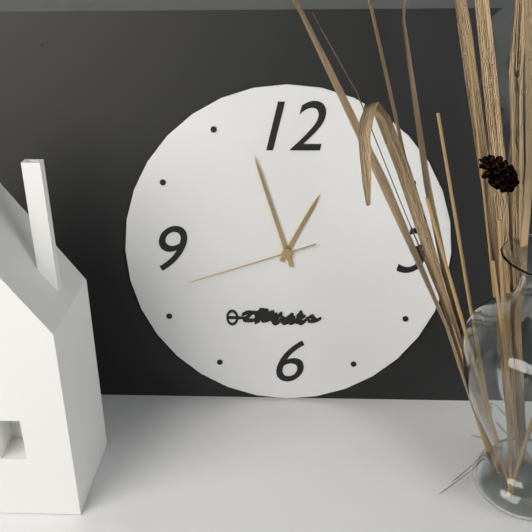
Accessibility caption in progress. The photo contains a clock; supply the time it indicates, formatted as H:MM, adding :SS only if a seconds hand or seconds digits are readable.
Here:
12:57:42
